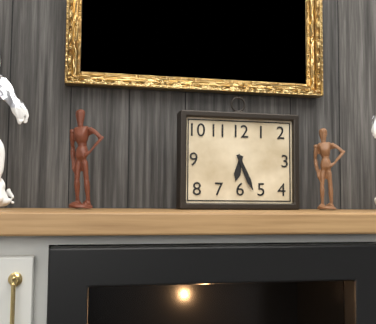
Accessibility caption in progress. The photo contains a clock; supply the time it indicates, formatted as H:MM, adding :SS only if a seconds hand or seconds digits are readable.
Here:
6:26
